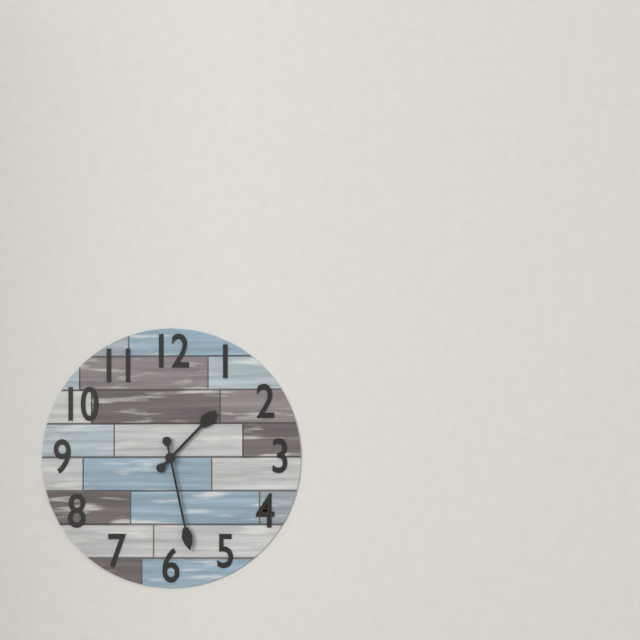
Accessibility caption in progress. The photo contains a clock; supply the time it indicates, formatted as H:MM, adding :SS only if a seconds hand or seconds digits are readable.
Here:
1:28
